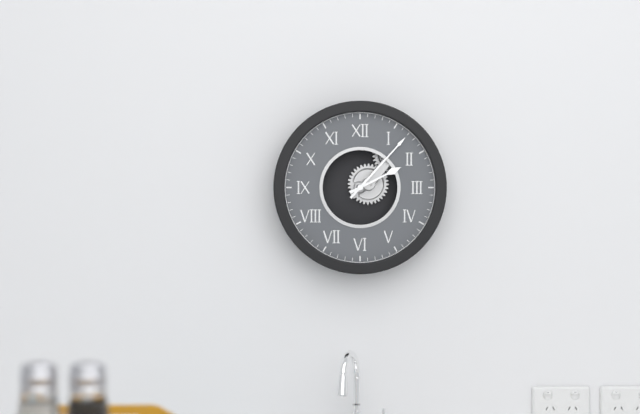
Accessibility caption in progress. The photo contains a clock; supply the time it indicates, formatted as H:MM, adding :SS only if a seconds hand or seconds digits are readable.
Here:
2:07
